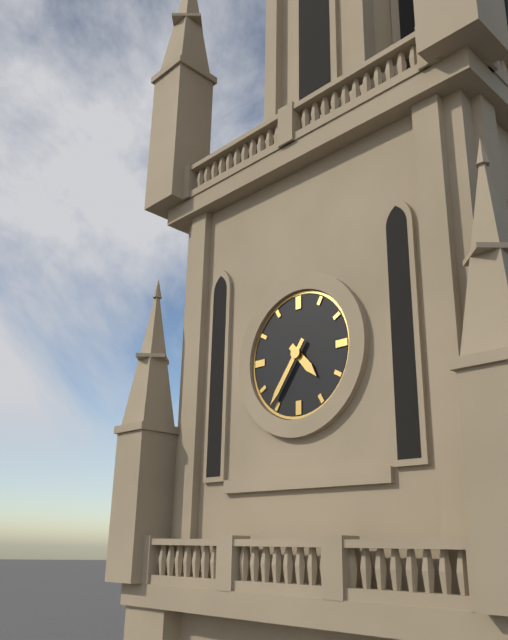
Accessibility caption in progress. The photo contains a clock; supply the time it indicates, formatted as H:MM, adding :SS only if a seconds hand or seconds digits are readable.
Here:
4:36
